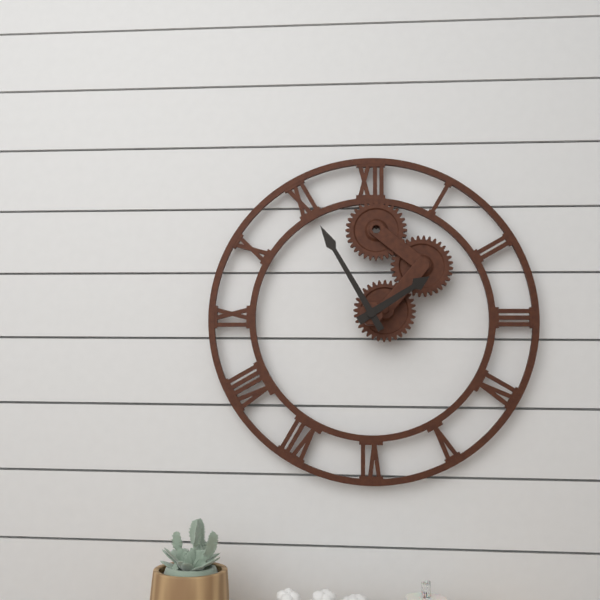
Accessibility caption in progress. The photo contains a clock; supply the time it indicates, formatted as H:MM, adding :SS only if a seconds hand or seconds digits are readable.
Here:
1:55
